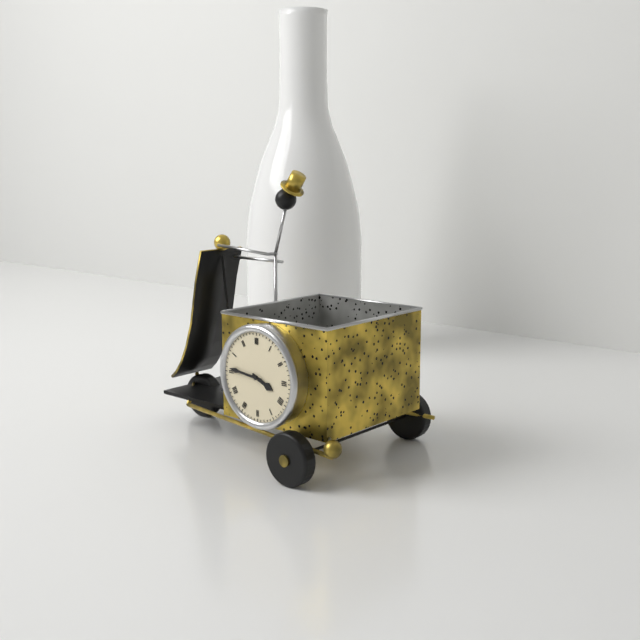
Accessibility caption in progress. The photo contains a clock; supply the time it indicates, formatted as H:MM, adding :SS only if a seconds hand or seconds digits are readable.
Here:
3:46
